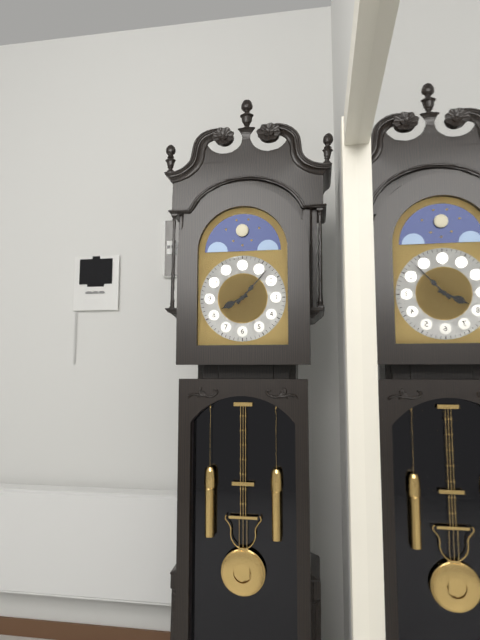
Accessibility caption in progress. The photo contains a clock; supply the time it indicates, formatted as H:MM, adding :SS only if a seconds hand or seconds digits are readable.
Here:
8:07
